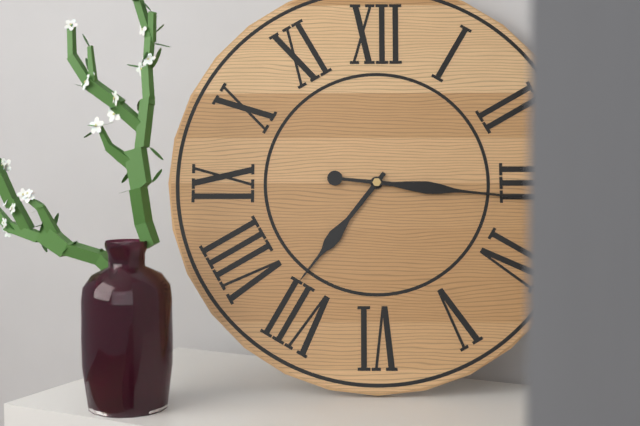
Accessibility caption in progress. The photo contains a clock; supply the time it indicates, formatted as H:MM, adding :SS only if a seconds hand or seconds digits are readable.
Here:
7:16
